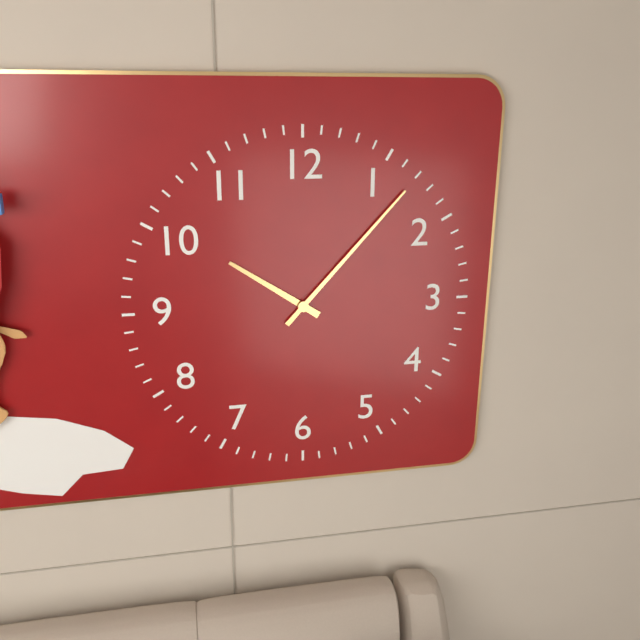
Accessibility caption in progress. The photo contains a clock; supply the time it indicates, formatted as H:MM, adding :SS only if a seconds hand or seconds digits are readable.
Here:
10:07
